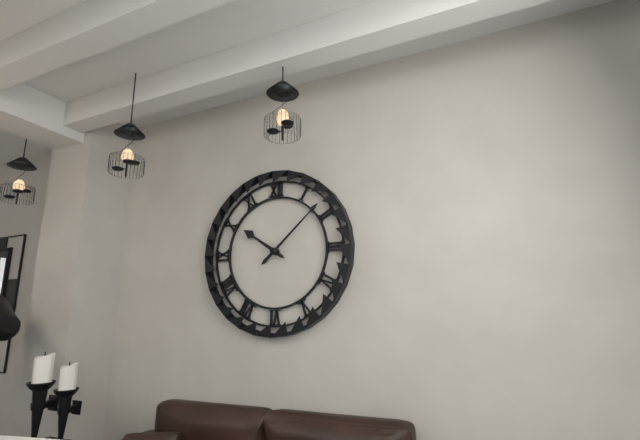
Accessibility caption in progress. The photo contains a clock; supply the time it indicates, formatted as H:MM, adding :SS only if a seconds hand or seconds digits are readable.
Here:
10:08
